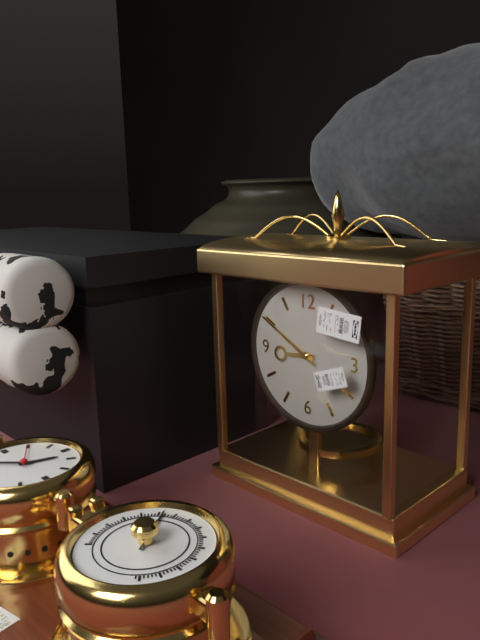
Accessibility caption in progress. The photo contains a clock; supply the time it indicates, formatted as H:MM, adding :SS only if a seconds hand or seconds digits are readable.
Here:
8:50
